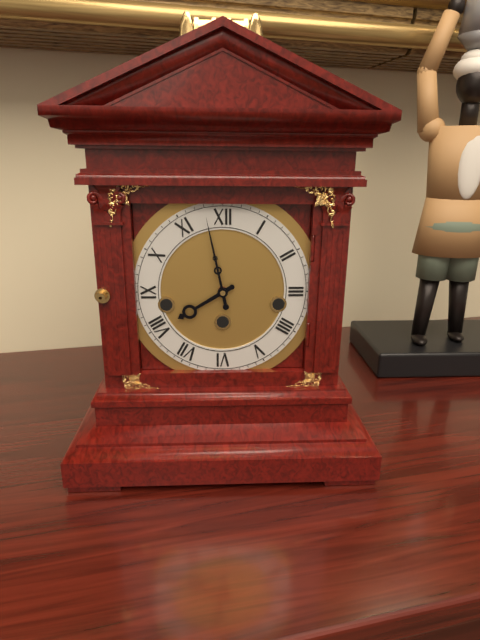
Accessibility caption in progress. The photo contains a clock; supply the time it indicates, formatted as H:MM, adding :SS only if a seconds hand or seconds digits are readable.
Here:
7:58
